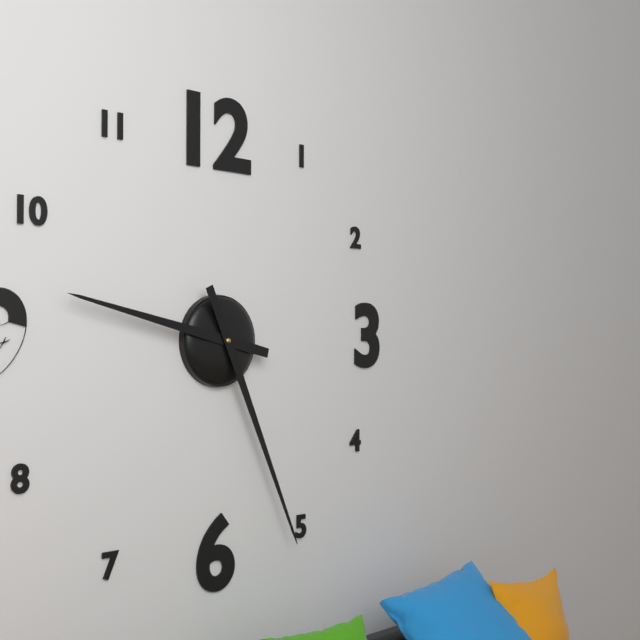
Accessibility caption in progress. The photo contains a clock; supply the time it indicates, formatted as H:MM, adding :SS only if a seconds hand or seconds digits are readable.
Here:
9:26
